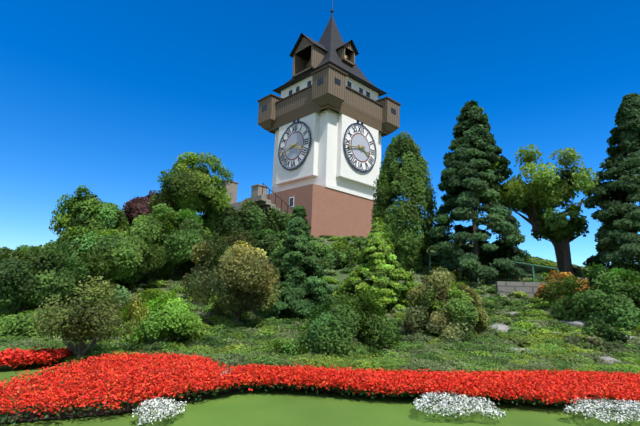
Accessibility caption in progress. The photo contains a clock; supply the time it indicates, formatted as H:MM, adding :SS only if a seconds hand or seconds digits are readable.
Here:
3:43
